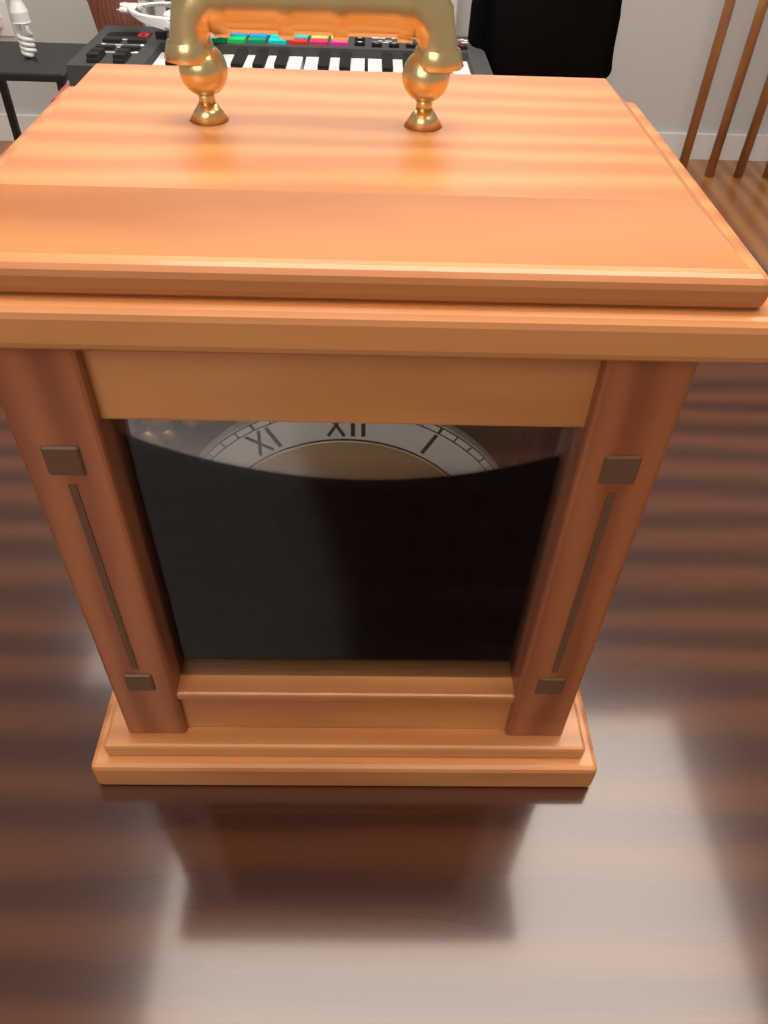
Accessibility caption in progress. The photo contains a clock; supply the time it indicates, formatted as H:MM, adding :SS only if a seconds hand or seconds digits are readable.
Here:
7:37
